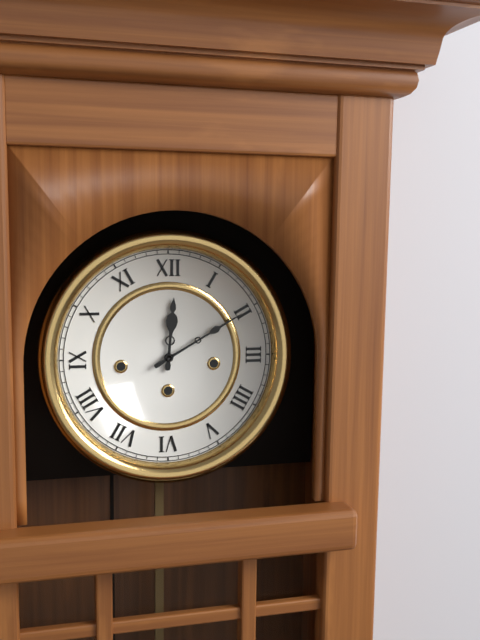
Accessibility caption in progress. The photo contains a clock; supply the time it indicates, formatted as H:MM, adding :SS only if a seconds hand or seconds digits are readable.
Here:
12:10
